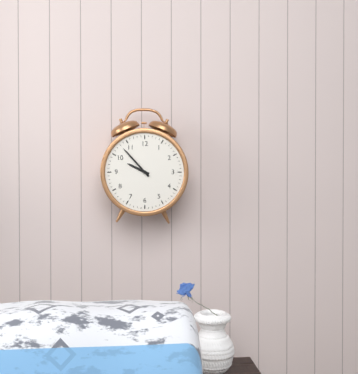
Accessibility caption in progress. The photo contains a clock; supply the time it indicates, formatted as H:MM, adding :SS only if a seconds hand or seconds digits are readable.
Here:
9:53
